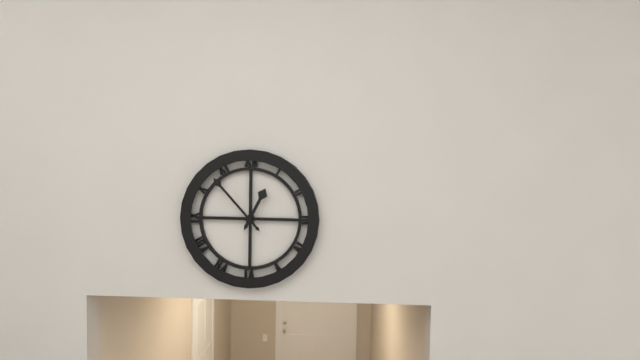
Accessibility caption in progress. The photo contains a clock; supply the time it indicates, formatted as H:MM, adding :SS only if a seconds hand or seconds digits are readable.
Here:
12:53
